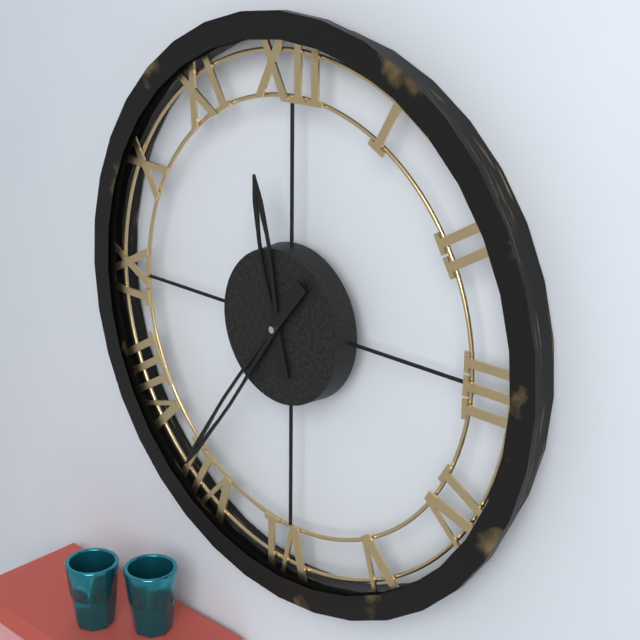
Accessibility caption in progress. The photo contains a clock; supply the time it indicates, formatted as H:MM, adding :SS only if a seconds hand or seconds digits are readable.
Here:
11:36
